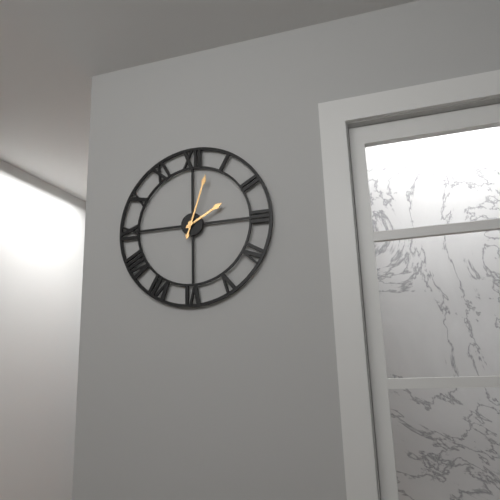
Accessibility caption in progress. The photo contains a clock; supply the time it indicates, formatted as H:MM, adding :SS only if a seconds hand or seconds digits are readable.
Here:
2:03
